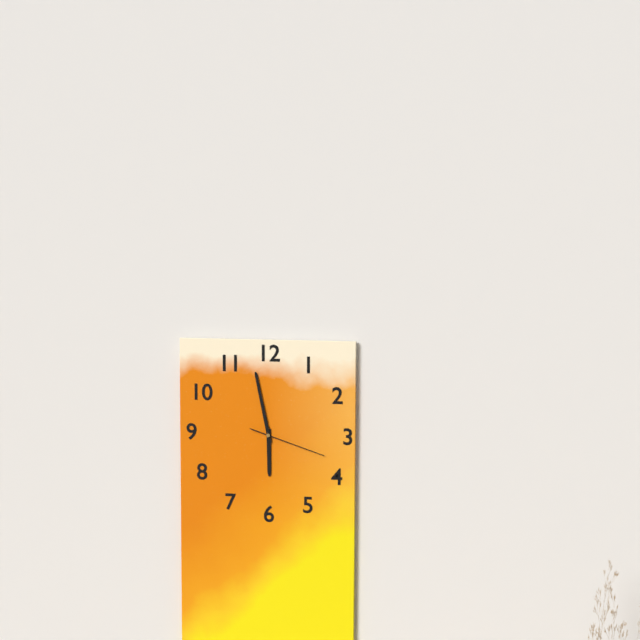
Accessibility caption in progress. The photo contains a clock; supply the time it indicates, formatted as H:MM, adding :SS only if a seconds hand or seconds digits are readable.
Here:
5:58:18
